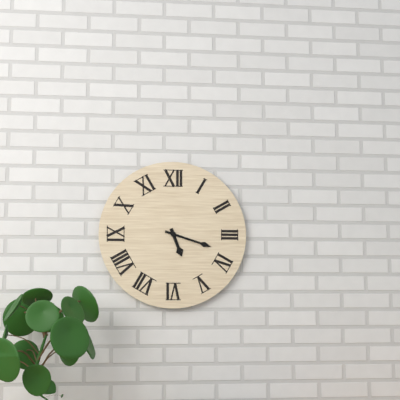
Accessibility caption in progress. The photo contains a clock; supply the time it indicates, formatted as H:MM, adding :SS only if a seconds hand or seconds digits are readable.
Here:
5:18
